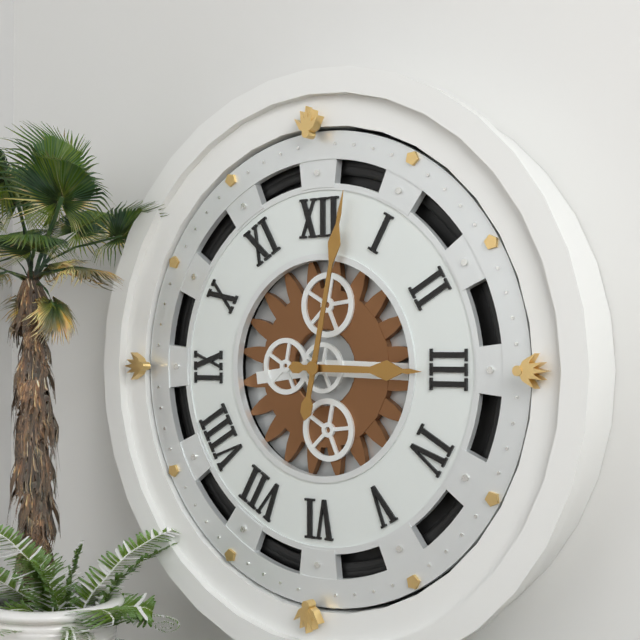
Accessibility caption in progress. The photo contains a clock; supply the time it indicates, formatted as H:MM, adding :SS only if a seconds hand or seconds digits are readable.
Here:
3:02
